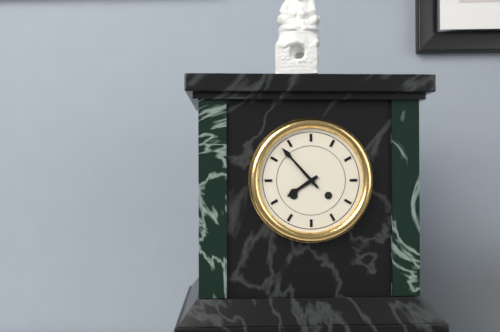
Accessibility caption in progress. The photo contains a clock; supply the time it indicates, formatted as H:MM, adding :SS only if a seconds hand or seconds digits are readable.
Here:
7:53
